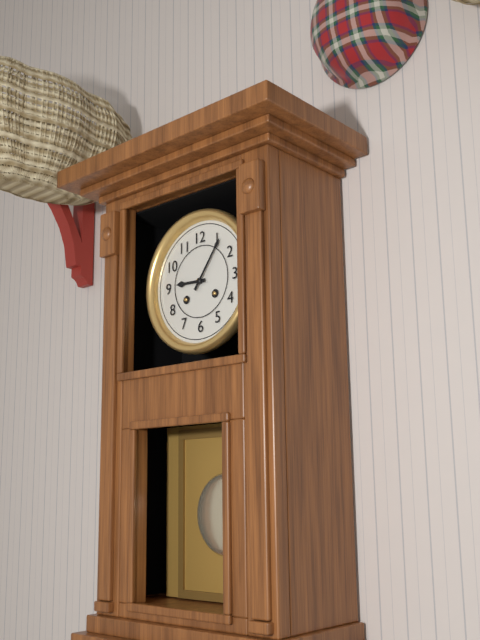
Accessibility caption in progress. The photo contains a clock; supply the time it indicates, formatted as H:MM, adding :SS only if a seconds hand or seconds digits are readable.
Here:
9:06
